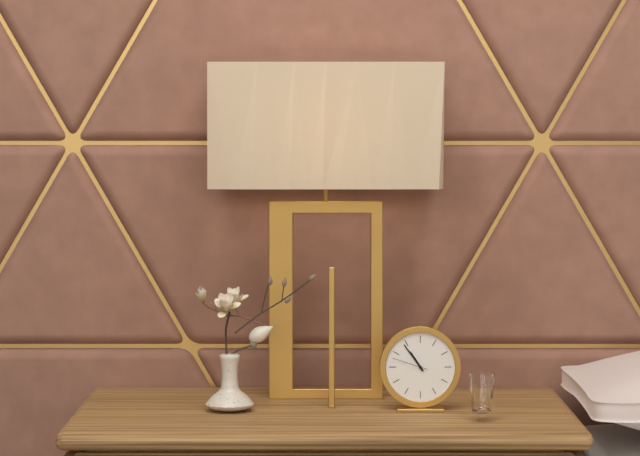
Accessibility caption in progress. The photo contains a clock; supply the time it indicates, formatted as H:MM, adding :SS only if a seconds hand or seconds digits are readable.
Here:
10:54
